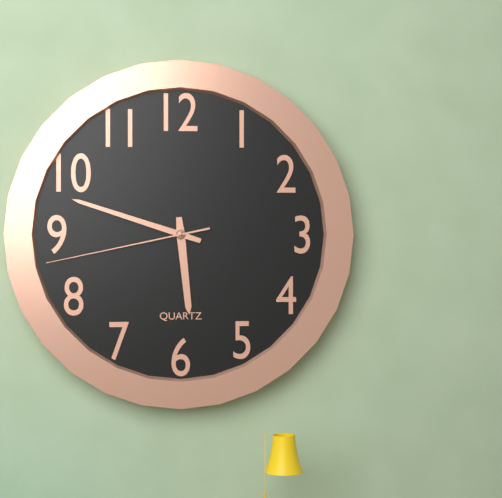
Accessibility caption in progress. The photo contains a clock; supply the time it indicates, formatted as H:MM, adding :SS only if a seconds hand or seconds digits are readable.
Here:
5:48:43
